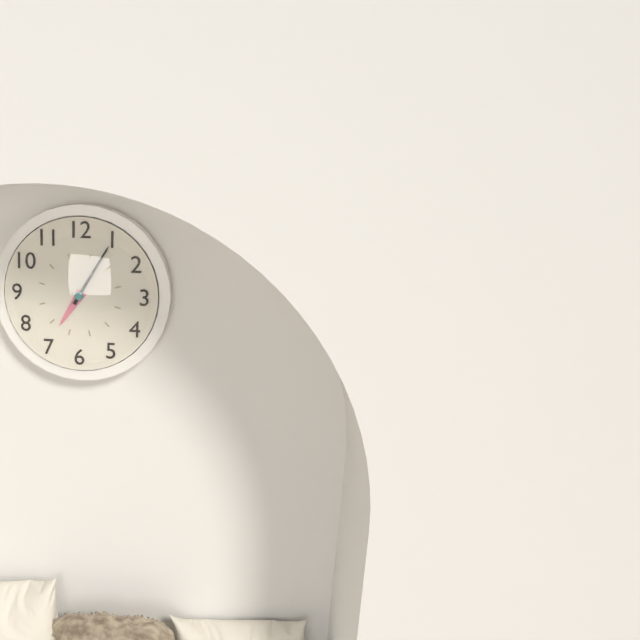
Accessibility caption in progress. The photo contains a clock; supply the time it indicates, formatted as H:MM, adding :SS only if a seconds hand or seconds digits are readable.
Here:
7:05
